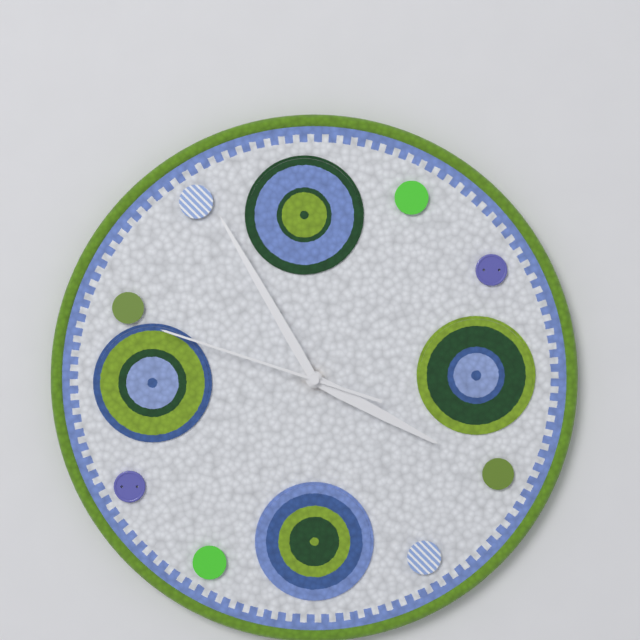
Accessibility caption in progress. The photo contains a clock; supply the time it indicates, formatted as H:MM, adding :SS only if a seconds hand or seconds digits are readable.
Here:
3:55:48
